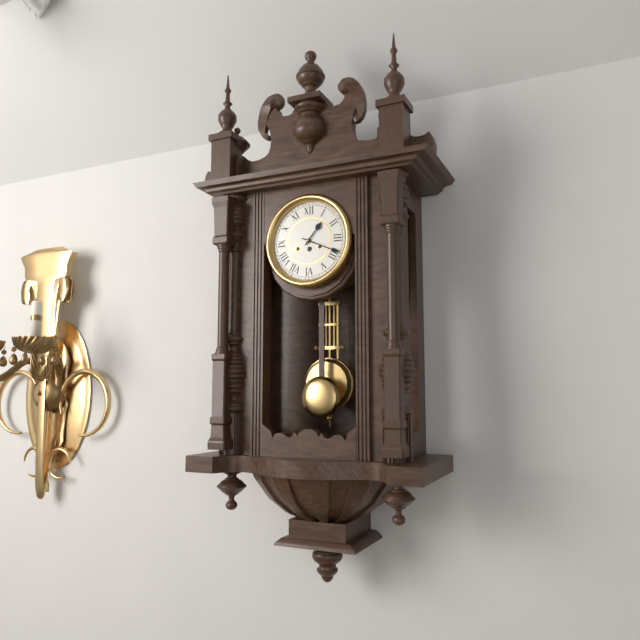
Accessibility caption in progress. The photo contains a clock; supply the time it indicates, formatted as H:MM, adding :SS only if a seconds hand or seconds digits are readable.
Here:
1:19
